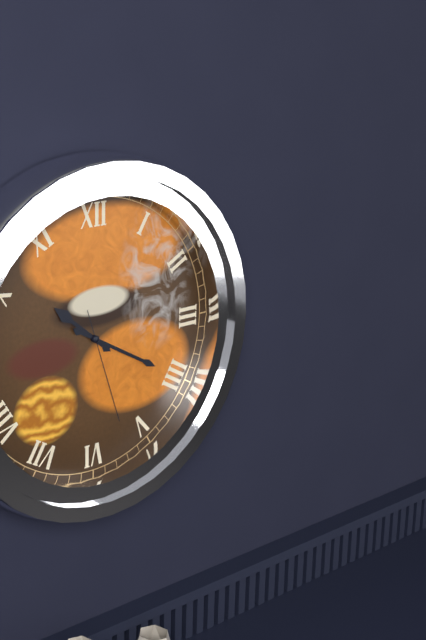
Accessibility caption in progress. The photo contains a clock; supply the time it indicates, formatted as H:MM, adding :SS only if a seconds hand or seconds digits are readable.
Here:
10:20:27
